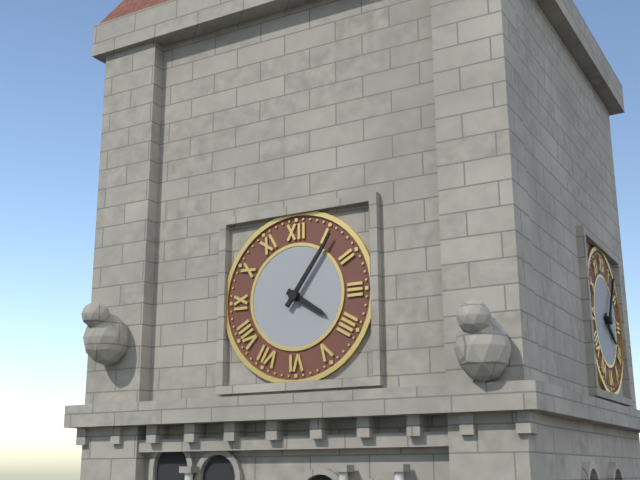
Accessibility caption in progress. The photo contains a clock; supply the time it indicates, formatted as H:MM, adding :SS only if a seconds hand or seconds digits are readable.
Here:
4:06
